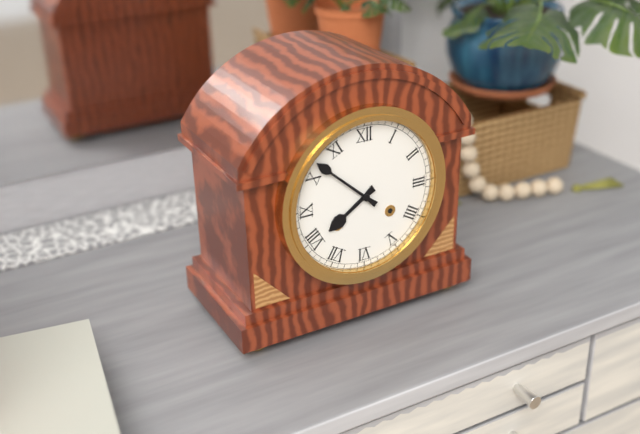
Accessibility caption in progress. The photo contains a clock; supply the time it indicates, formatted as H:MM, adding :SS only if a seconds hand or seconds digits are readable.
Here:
7:52
